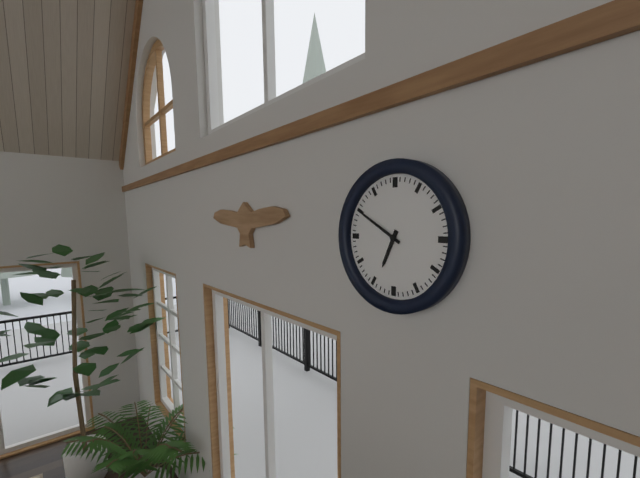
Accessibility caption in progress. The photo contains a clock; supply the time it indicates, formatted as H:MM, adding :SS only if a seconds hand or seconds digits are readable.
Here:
6:50
